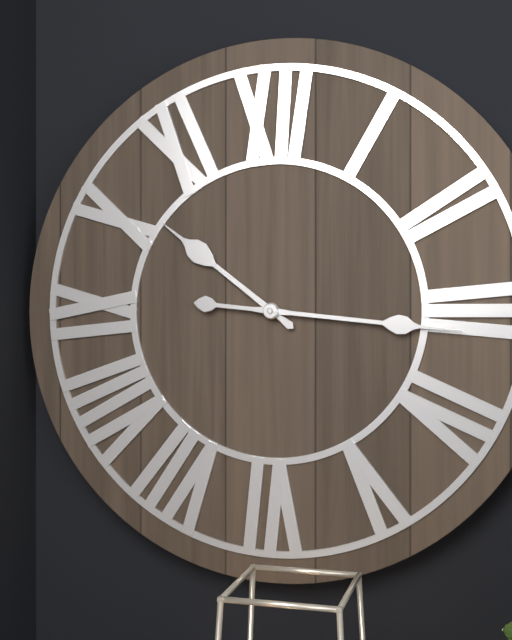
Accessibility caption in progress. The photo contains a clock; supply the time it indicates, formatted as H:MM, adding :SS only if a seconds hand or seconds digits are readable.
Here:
10:16
